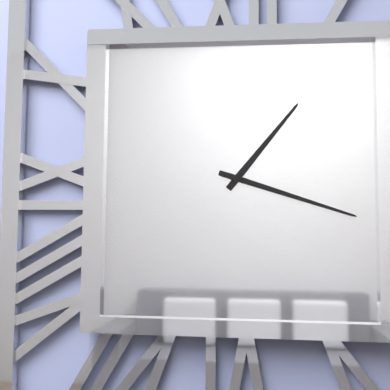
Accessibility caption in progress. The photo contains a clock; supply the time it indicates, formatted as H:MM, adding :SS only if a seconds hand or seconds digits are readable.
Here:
1:18
